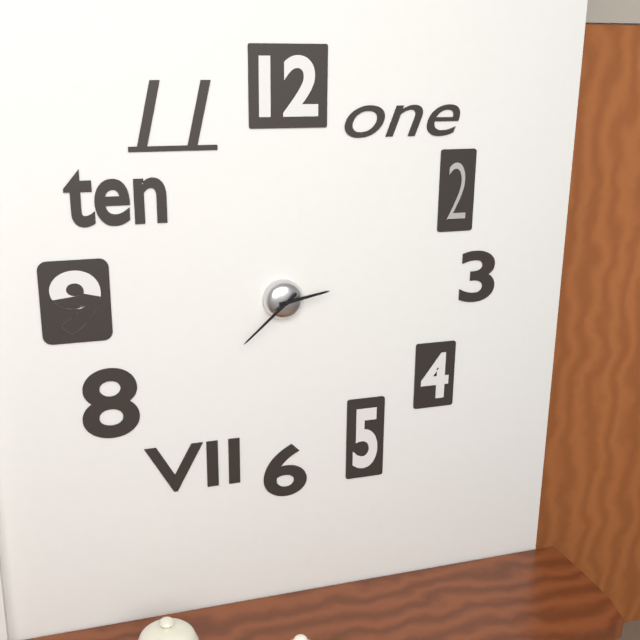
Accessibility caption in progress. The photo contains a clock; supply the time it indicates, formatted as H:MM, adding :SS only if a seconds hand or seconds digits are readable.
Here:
2:38
